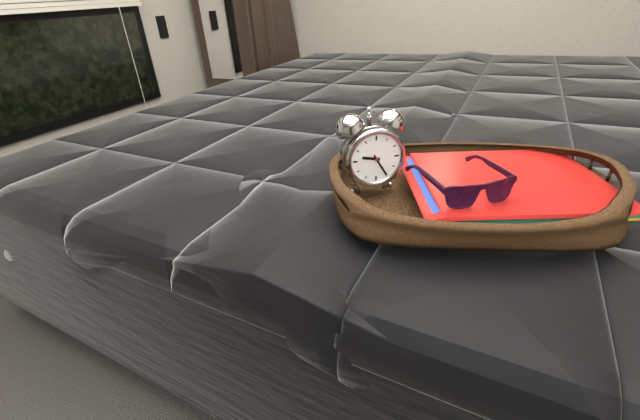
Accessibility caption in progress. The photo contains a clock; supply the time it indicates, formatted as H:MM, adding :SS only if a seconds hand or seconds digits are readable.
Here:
9:25
